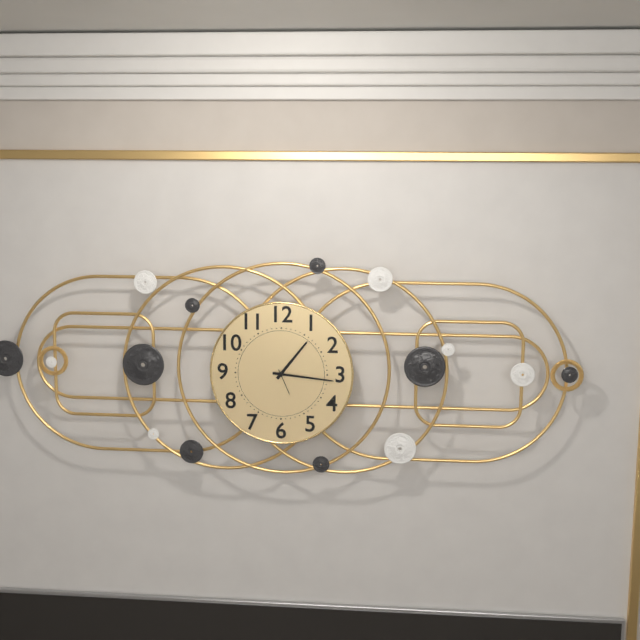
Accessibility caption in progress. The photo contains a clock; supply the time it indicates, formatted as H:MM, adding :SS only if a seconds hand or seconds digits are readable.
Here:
1:16
